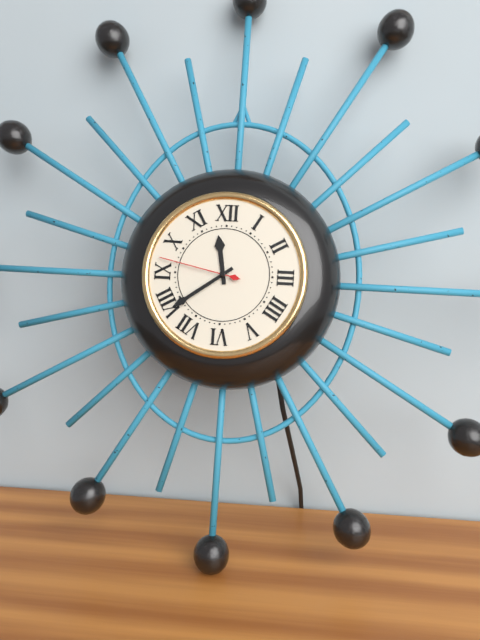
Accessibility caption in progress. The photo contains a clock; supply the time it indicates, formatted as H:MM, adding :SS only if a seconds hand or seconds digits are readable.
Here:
11:39:47
